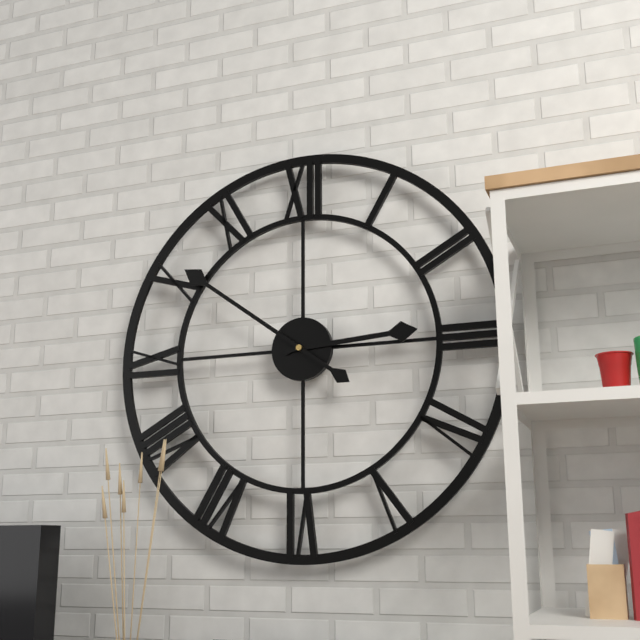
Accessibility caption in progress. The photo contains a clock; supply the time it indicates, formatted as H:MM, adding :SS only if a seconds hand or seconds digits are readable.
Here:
2:51
